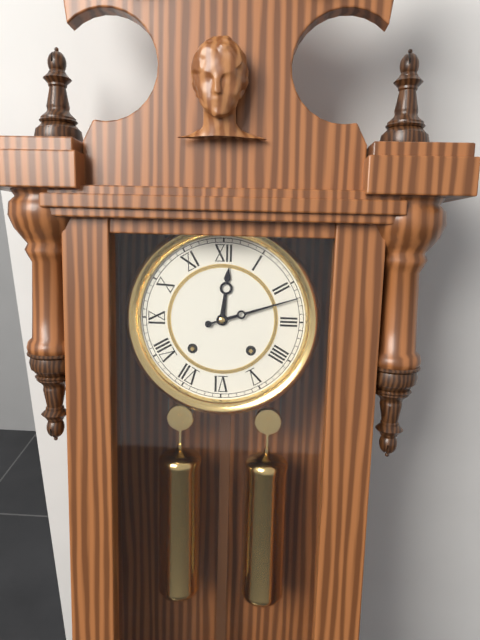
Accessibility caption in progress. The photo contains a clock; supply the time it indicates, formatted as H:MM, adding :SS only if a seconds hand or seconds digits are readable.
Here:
12:12
